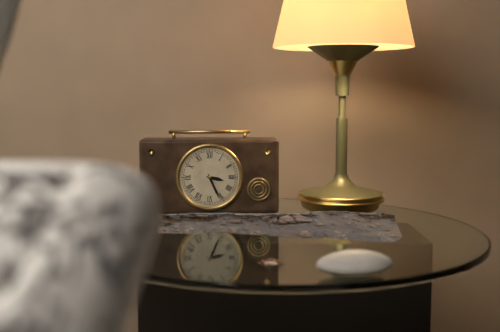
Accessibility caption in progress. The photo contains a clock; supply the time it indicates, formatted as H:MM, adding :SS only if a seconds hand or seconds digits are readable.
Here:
3:26
